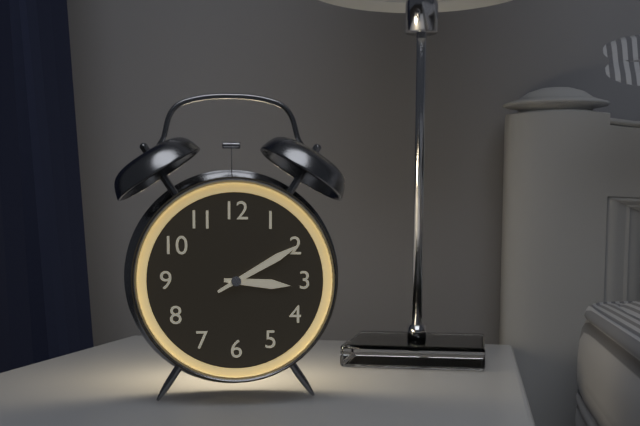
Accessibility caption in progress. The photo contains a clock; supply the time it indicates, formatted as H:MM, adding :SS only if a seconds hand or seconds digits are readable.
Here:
3:10
